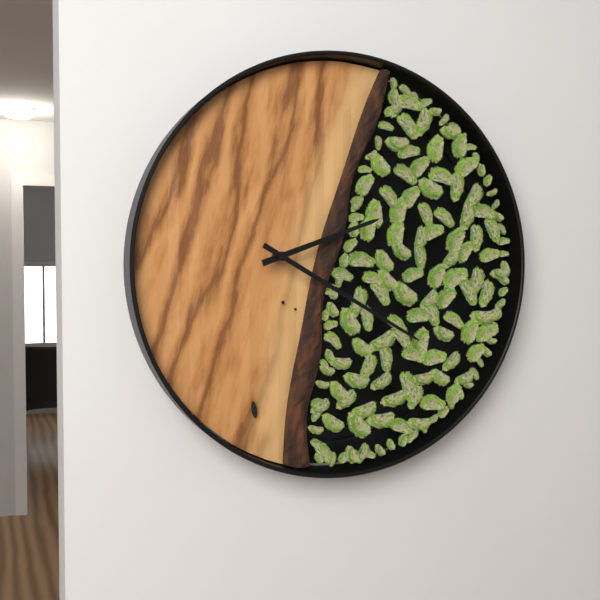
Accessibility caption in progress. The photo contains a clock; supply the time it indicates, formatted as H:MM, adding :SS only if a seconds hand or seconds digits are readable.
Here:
2:20
